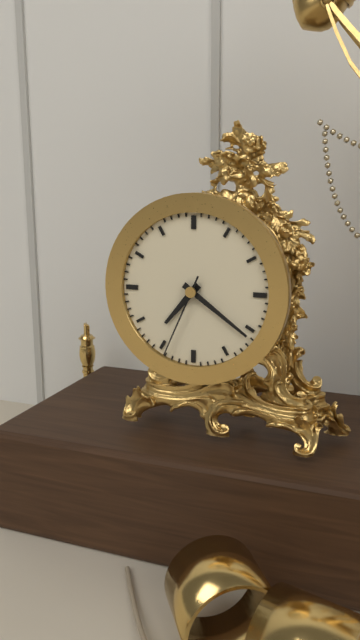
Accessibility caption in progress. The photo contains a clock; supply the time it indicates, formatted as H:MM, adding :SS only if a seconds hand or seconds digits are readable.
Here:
7:21:34
